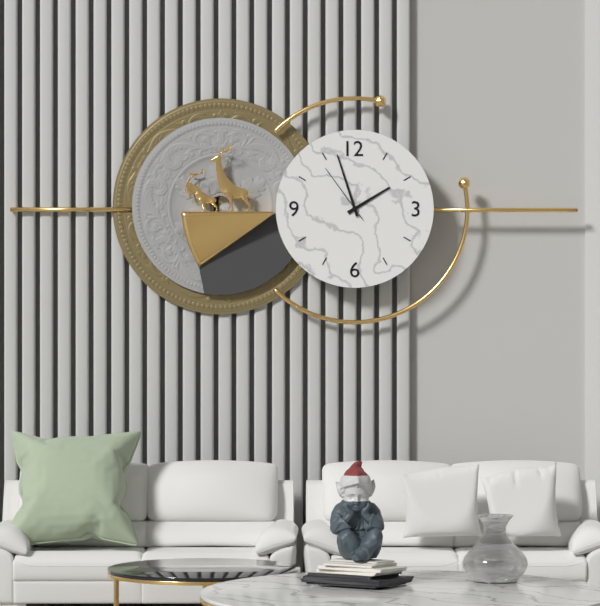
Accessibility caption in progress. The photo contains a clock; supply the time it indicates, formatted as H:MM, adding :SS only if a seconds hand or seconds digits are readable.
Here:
1:57:54
